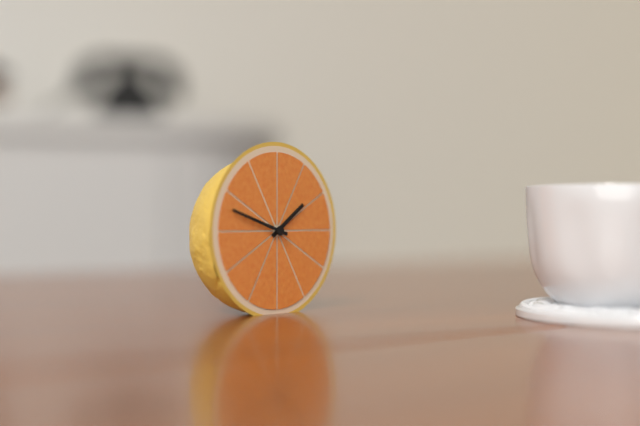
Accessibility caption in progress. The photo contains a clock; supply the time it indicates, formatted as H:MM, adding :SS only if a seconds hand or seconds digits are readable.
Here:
1:48
